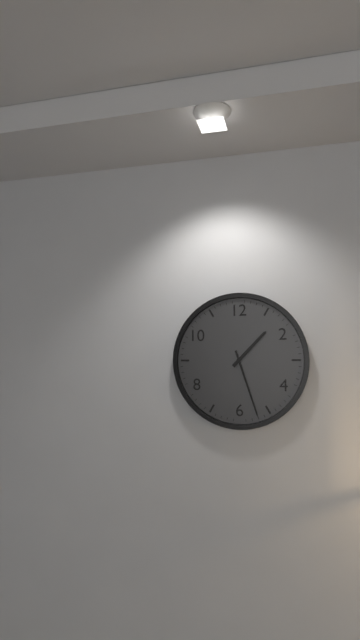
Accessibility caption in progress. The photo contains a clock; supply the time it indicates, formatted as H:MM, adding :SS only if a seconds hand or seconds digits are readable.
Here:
1:27
